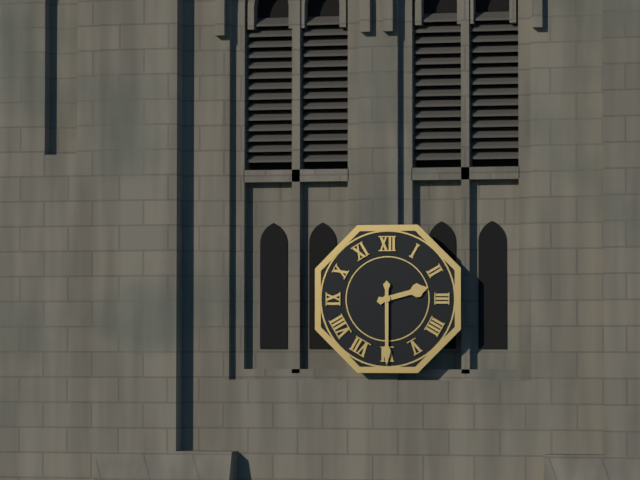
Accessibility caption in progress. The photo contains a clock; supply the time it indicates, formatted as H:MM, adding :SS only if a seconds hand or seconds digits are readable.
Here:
2:30
